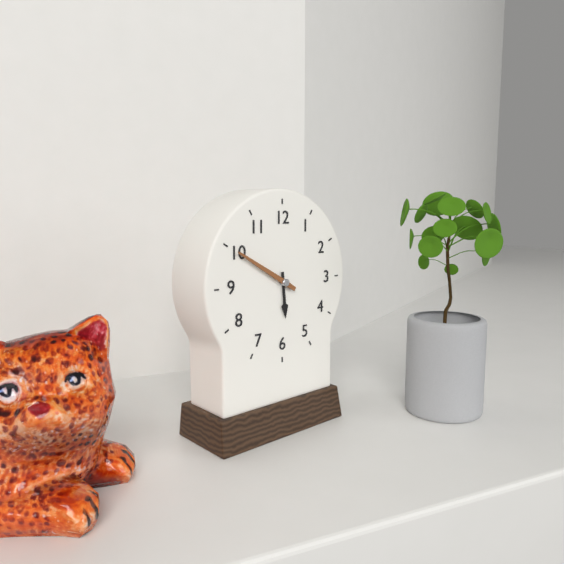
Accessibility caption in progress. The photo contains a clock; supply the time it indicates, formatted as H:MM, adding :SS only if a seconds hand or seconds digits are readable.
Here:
5:50
